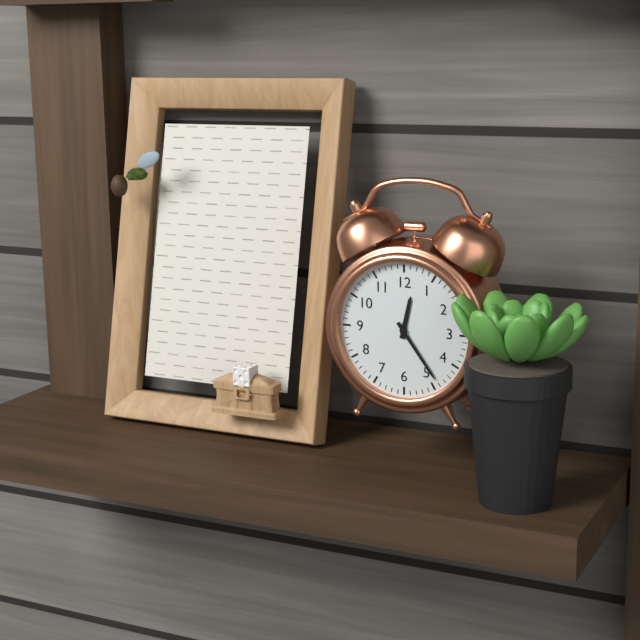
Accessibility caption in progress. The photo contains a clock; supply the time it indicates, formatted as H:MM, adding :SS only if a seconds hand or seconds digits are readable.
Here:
12:24
